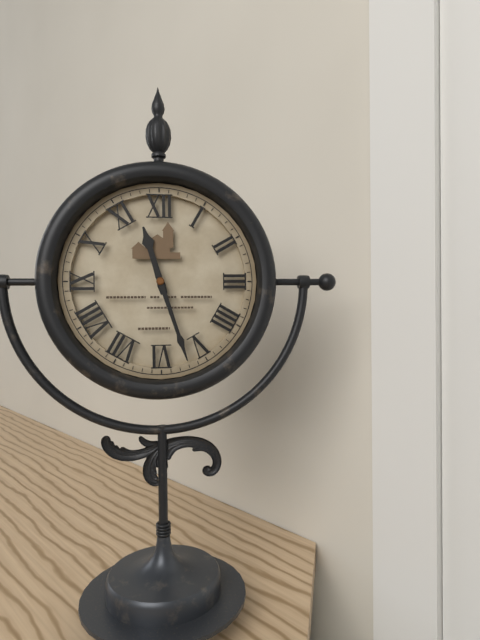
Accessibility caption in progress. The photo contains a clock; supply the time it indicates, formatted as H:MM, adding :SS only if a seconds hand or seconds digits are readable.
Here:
11:27
